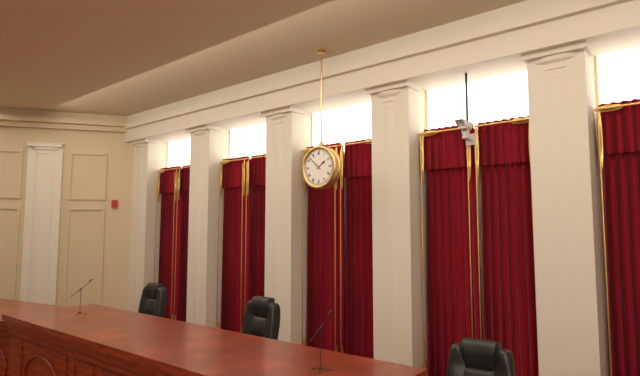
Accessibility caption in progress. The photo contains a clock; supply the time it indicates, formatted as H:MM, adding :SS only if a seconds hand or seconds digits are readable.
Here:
1:52
